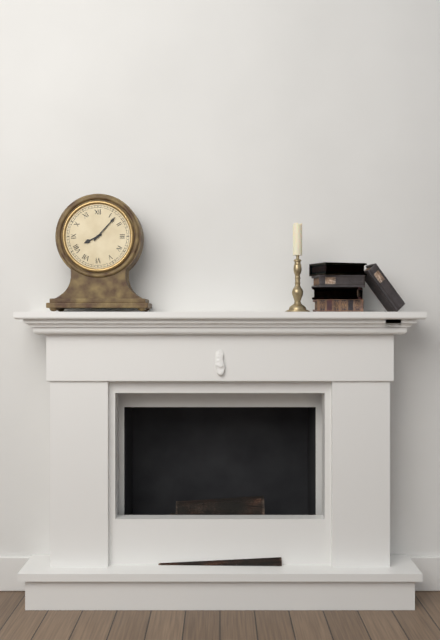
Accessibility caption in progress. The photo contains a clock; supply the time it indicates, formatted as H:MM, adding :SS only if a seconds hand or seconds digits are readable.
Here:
8:07
